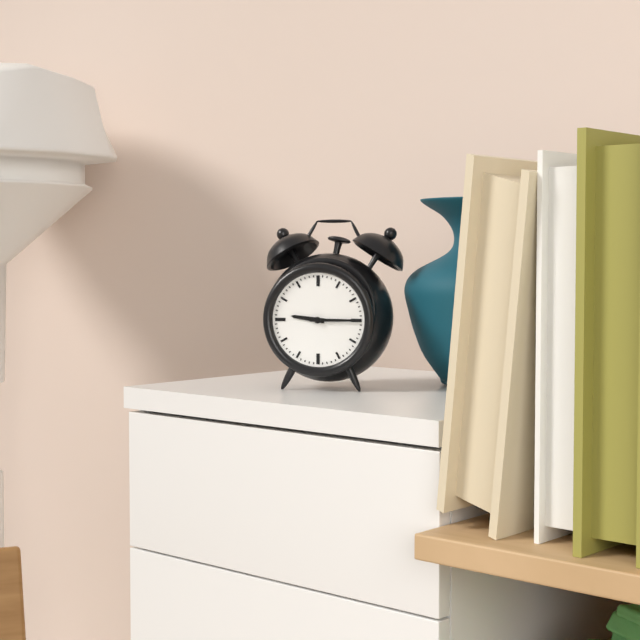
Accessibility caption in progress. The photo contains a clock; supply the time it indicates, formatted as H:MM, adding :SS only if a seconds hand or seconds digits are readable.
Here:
9:15
